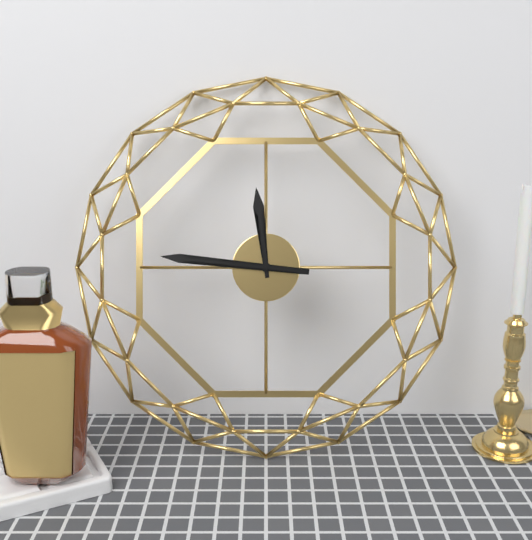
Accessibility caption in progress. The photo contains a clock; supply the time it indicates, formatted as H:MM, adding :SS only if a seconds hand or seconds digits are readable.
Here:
11:46
